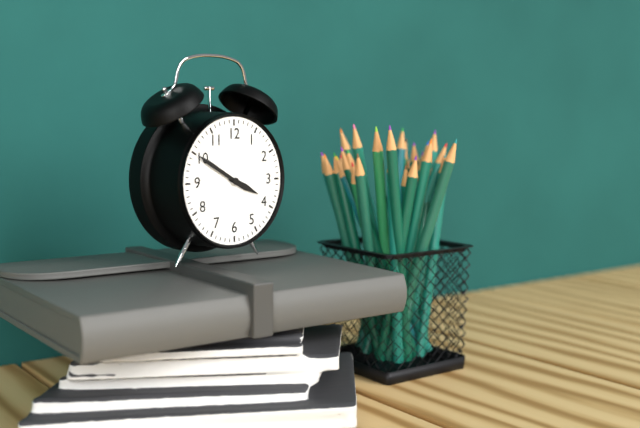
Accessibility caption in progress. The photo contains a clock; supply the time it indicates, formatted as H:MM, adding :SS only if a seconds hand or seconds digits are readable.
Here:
3:50
